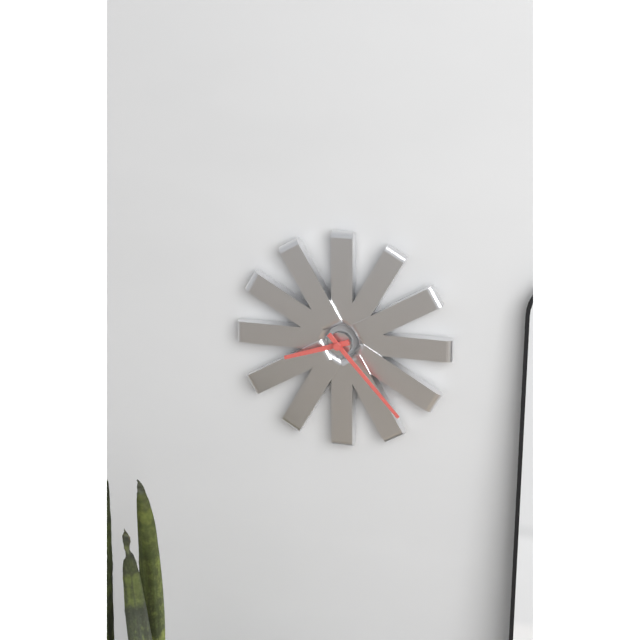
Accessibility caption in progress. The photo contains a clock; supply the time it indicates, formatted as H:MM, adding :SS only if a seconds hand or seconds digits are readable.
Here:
8:23
